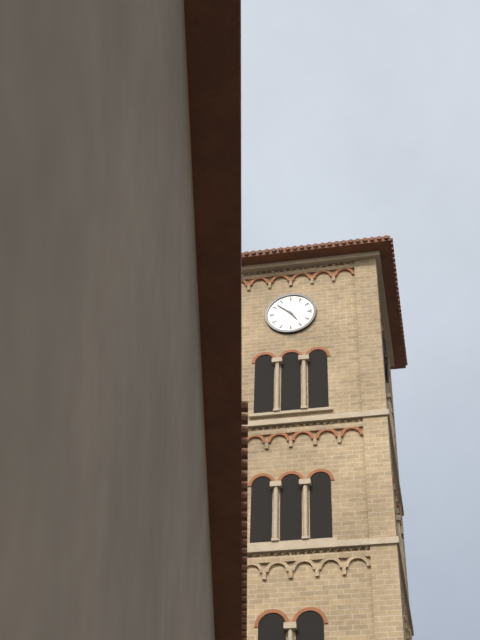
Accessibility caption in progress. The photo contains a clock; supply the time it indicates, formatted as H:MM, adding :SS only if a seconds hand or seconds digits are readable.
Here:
4:52
